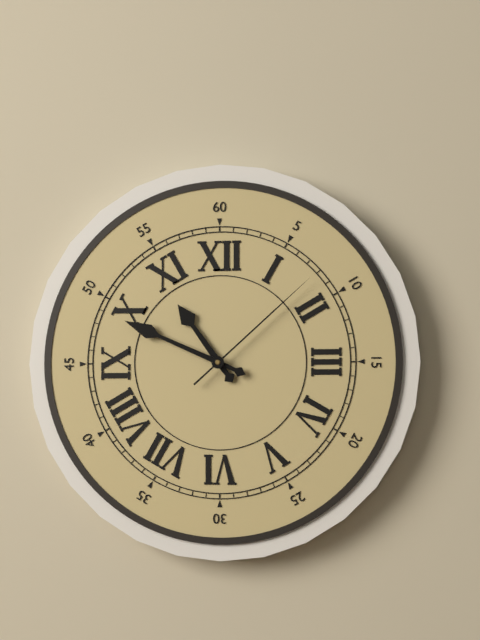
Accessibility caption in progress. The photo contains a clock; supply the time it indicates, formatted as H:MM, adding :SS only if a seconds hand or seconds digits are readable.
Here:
10:49:08
